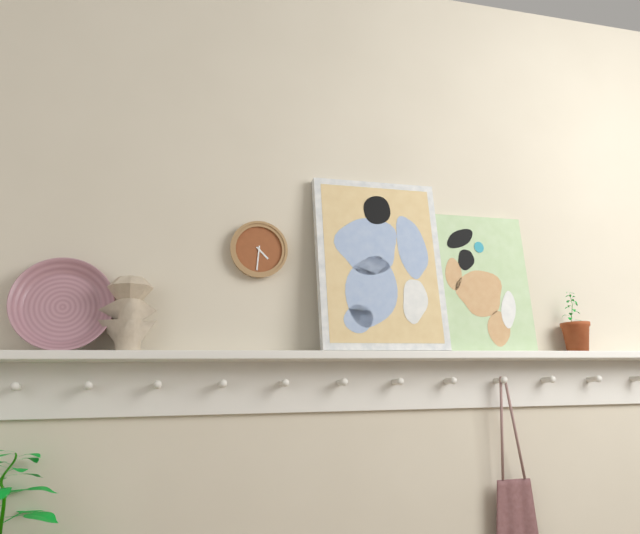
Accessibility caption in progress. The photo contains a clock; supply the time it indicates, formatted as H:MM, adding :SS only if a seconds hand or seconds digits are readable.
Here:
4:31
